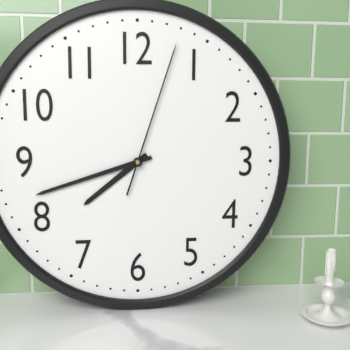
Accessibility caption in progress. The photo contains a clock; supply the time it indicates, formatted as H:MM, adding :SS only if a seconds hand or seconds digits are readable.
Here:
7:42:03
